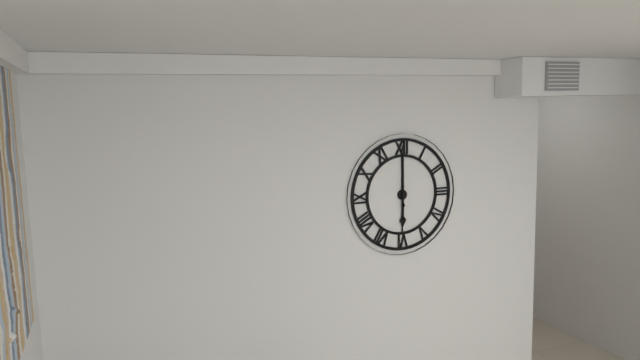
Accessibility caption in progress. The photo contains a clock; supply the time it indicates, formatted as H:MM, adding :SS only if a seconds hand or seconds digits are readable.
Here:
6:00
